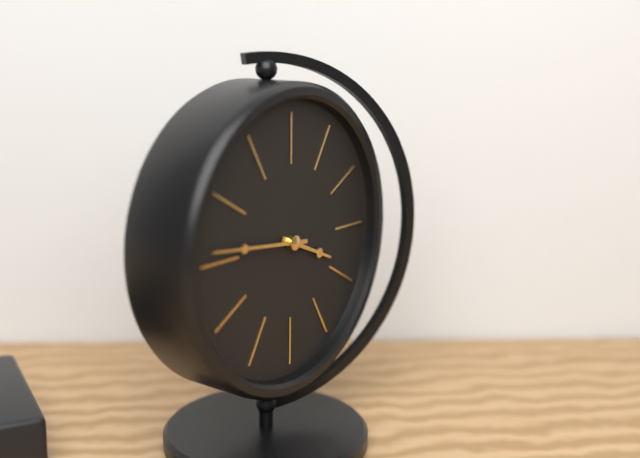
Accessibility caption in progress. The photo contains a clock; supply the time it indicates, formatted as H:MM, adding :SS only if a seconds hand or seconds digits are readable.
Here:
3:46
